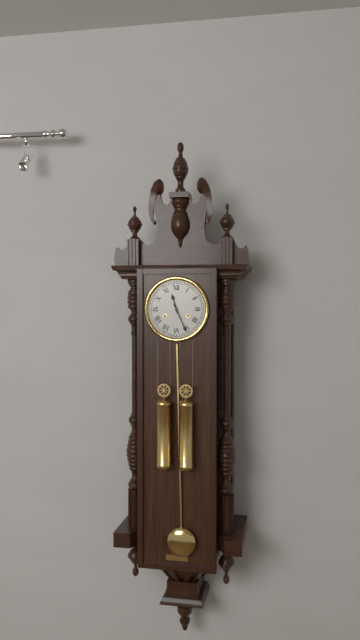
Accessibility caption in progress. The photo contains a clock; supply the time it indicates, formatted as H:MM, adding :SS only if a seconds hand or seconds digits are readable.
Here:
11:26
